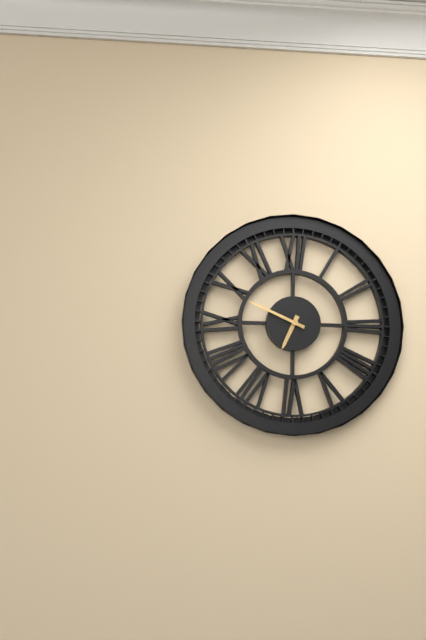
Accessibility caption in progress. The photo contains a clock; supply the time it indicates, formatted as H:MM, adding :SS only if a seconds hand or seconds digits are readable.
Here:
6:49
